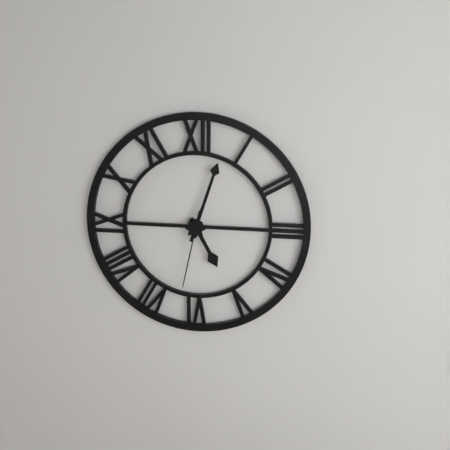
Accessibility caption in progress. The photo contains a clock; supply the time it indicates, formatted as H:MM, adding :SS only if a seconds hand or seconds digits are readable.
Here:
5:03:32
